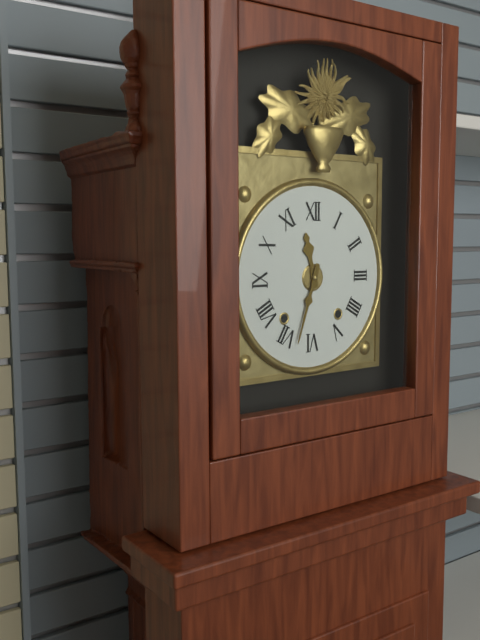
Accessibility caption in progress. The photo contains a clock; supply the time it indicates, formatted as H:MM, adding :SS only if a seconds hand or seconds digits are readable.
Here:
11:33
